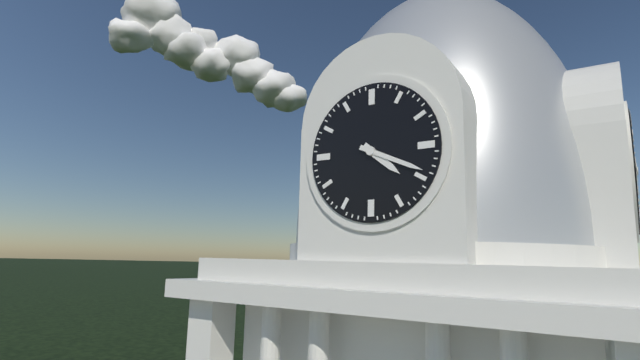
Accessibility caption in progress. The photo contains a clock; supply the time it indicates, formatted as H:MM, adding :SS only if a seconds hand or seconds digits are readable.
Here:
4:19
